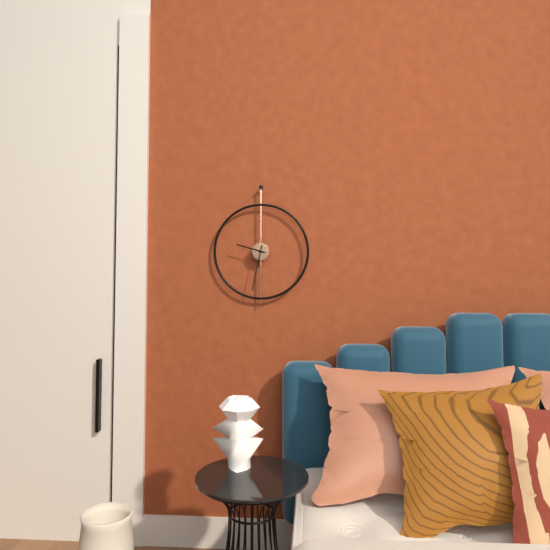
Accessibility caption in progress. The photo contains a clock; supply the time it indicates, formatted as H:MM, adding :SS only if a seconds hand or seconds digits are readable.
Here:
9:32
